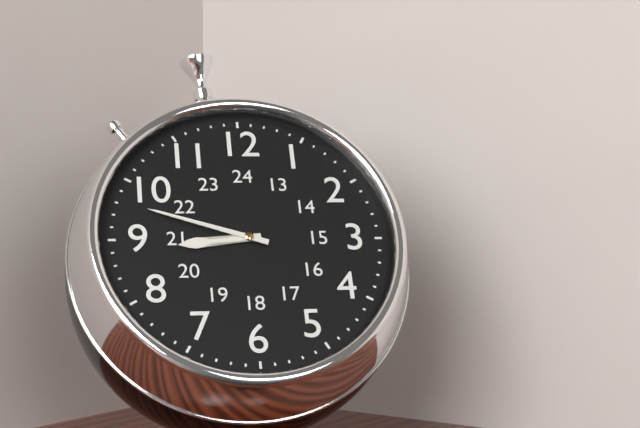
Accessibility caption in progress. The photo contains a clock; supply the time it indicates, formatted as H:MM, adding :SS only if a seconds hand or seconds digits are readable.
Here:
8:48
